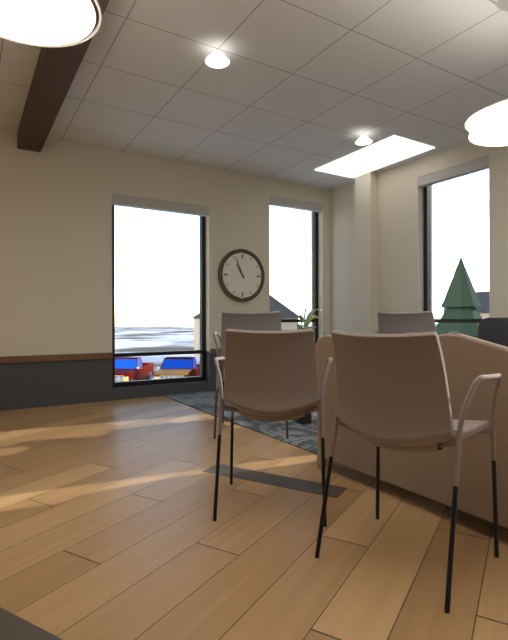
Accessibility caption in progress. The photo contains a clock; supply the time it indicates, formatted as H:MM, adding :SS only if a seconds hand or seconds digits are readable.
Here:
10:56
